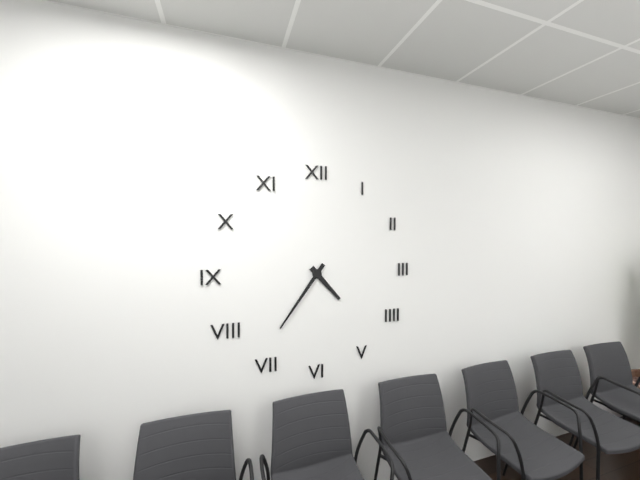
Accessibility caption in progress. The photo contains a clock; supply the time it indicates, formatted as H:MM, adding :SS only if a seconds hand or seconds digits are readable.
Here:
4:36
